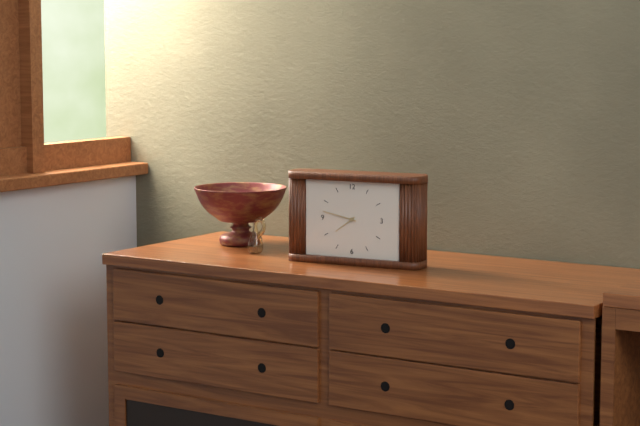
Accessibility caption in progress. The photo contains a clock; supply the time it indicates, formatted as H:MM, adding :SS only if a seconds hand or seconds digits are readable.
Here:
7:47
